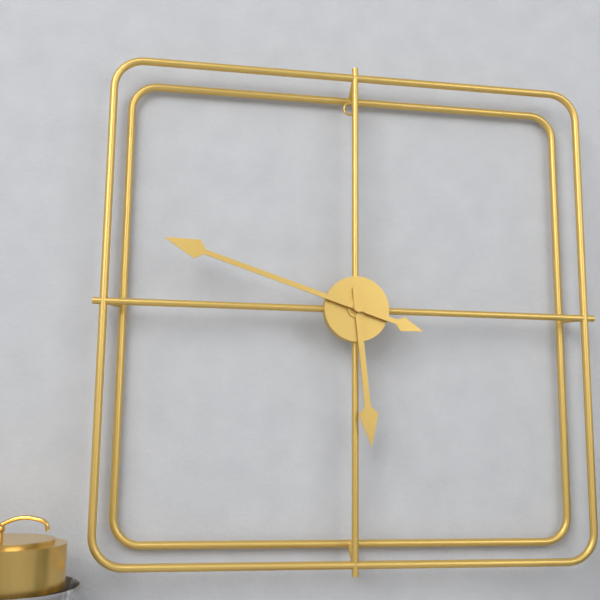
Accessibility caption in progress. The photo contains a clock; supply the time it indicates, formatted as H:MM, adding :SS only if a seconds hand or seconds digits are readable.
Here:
5:48
